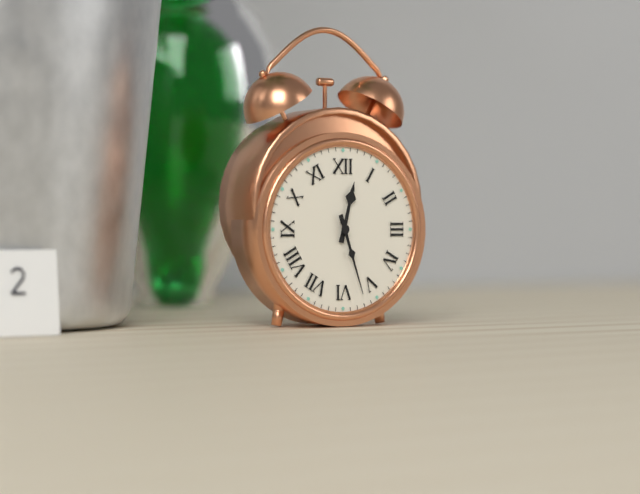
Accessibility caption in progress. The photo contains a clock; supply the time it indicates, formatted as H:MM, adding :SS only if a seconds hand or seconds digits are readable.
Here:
12:27
